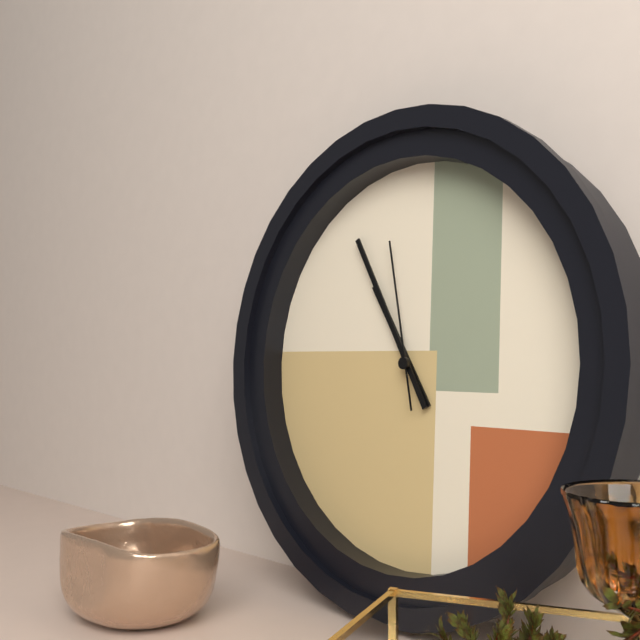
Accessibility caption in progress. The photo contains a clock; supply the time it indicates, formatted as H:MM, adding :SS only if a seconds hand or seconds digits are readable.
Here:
10:55:58
